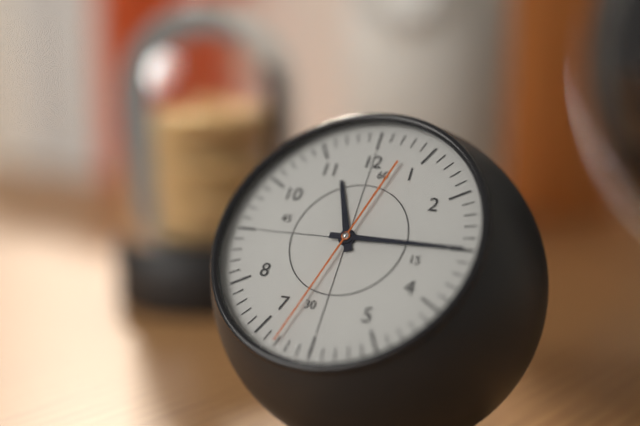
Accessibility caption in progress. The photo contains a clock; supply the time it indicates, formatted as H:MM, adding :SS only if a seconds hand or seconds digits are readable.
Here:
11:15:33
